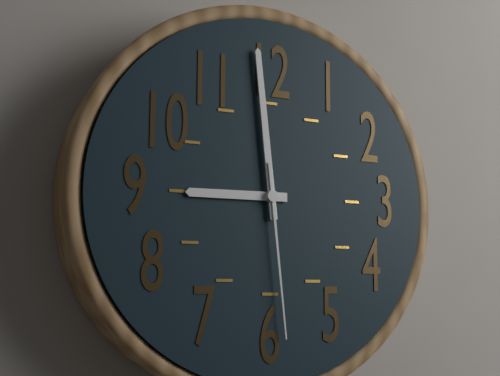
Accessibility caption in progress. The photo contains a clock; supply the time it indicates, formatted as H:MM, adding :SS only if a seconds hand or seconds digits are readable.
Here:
8:59:29
